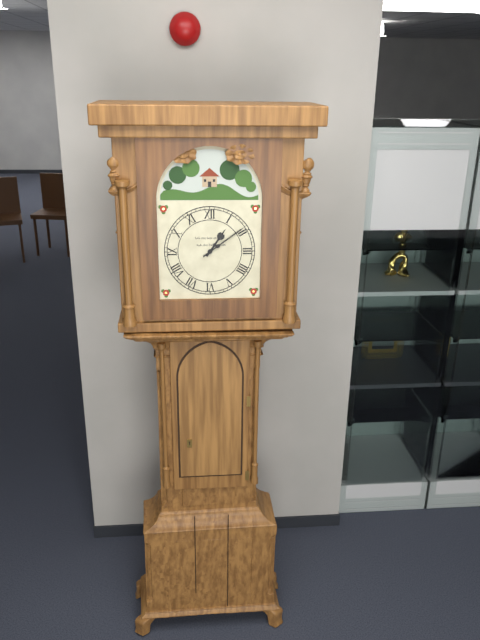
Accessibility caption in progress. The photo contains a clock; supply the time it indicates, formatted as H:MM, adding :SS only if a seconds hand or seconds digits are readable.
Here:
1:09
